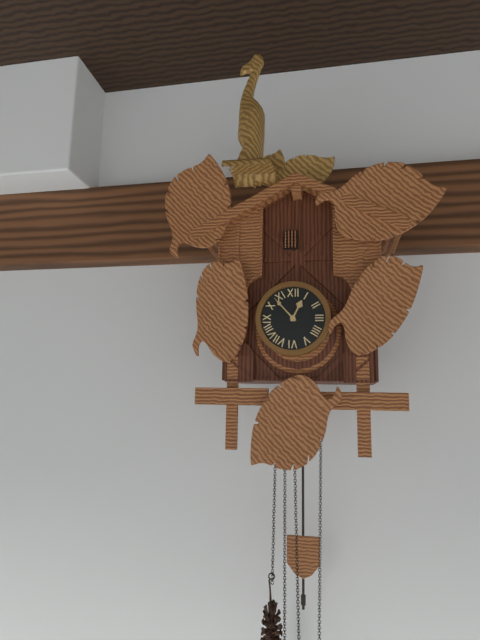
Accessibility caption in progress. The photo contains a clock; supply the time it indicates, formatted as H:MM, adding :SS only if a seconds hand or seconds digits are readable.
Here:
12:53
